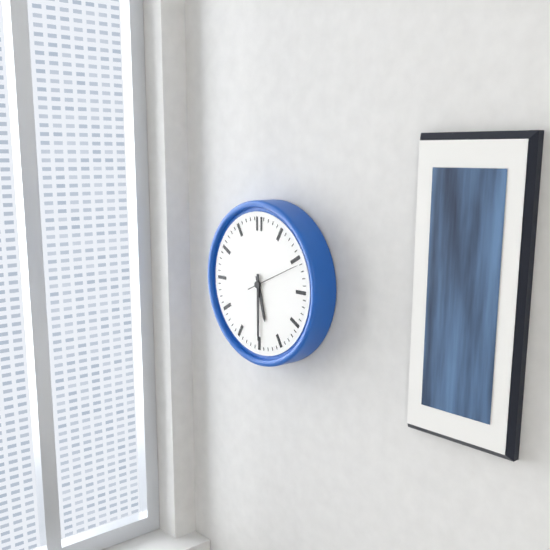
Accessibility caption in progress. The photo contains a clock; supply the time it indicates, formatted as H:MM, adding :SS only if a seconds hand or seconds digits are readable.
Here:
5:30:11
